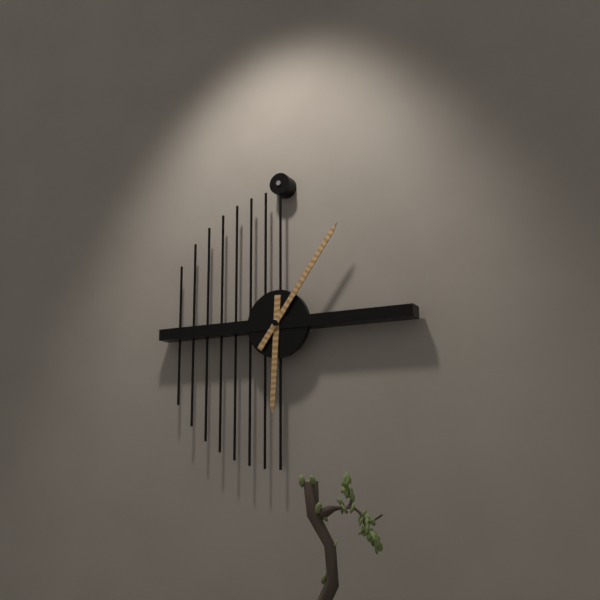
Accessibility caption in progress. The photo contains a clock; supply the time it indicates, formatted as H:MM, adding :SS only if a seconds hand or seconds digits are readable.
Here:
6:06
